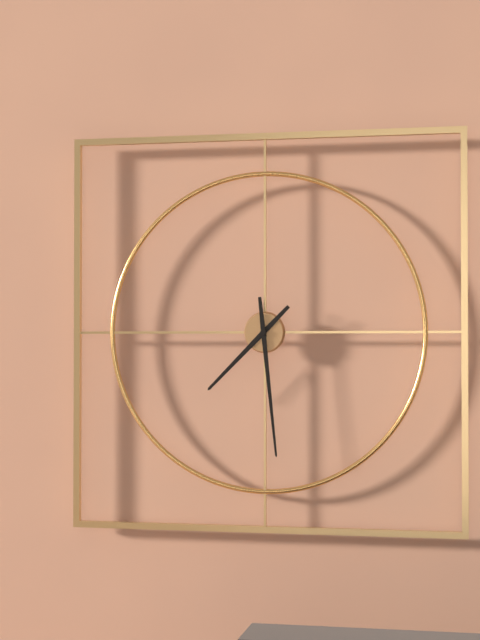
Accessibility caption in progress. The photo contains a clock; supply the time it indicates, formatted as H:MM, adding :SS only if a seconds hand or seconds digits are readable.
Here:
7:29
